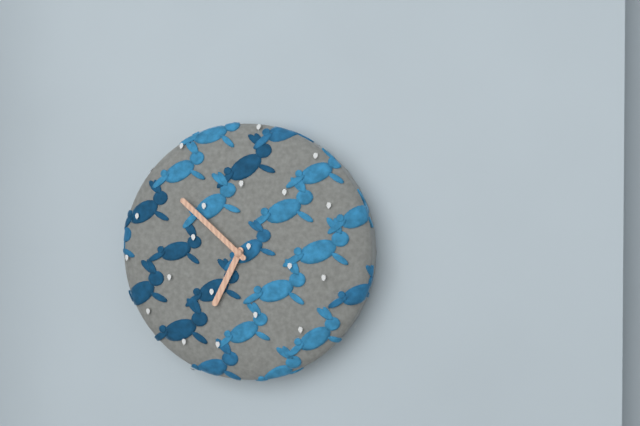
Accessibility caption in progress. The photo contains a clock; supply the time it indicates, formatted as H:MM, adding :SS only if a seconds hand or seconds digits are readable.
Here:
6:52
